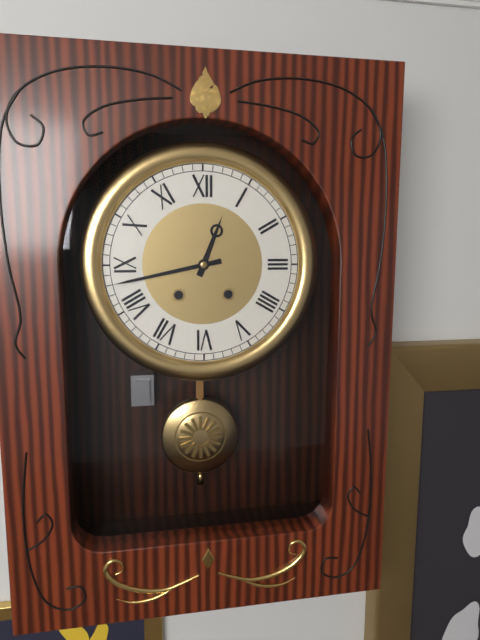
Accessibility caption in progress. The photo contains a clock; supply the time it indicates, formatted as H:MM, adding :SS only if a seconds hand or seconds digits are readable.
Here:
12:43
